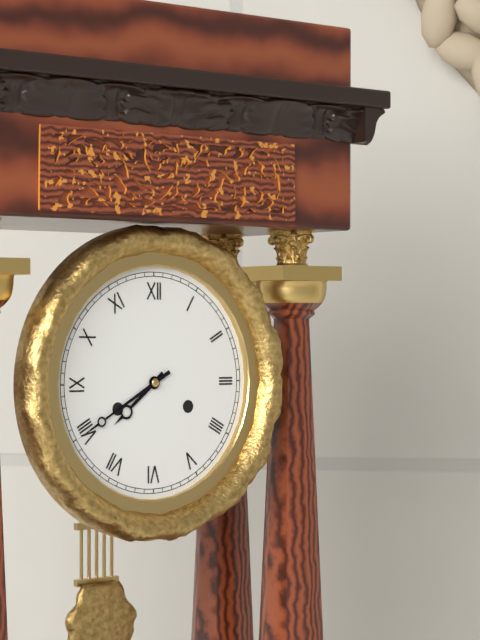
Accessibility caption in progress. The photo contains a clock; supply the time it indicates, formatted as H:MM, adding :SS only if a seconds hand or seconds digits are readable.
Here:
7:40
